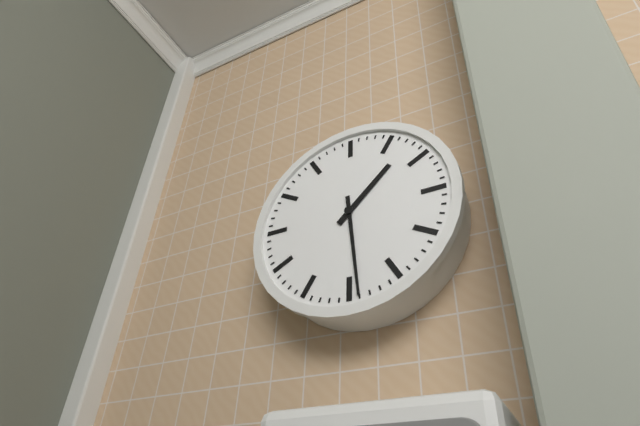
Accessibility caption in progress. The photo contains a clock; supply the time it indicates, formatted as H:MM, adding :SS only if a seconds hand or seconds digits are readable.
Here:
1:29
